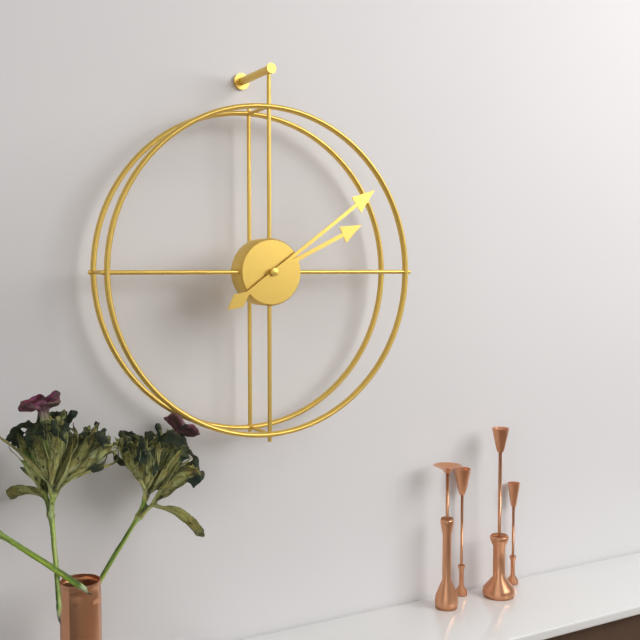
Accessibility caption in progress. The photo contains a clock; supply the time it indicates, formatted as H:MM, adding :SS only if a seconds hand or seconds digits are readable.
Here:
2:09
